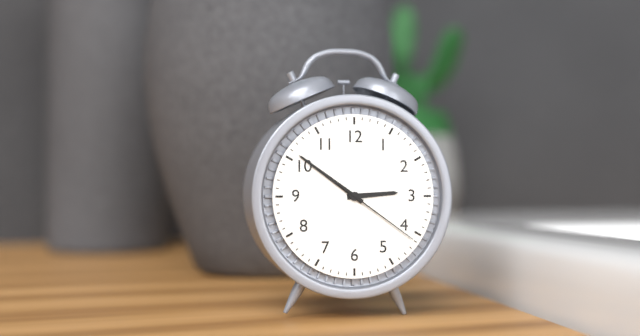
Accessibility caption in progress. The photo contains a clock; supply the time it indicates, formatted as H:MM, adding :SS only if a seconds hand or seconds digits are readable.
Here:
2:51:21
